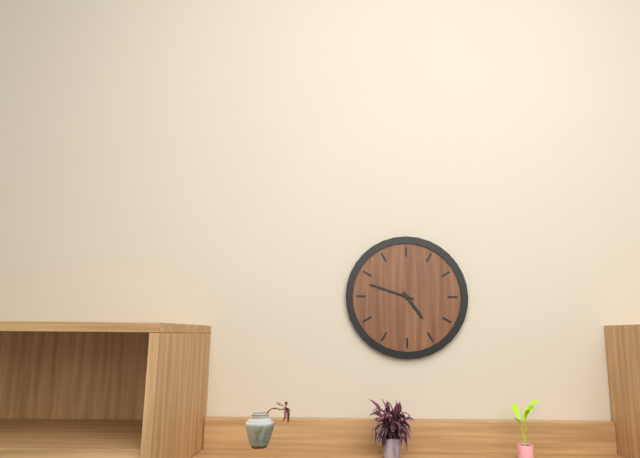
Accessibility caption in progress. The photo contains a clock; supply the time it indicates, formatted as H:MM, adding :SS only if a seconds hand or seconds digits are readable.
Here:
4:48
